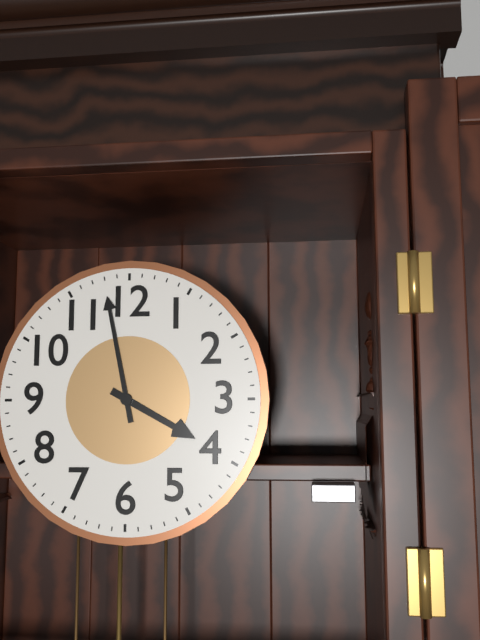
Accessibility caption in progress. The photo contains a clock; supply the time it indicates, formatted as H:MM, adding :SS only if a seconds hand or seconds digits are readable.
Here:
3:58
